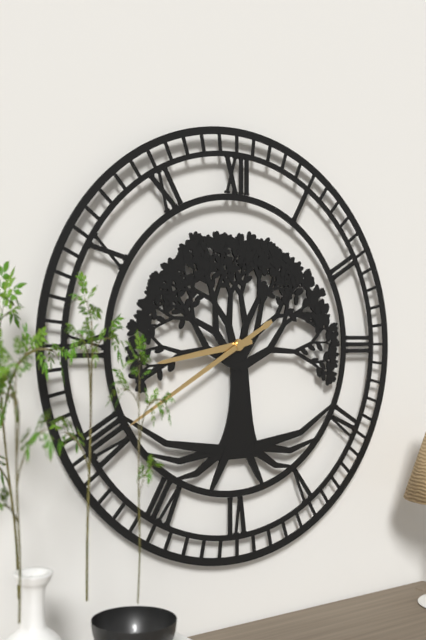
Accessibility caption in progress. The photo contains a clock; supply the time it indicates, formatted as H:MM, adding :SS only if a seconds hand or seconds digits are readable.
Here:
8:40
